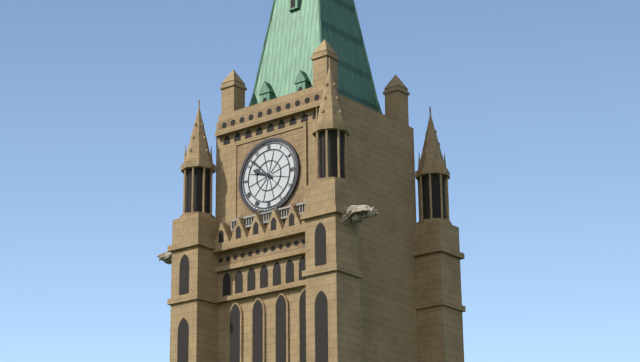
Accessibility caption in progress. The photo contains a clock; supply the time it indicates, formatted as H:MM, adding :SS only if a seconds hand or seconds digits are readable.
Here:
9:52
